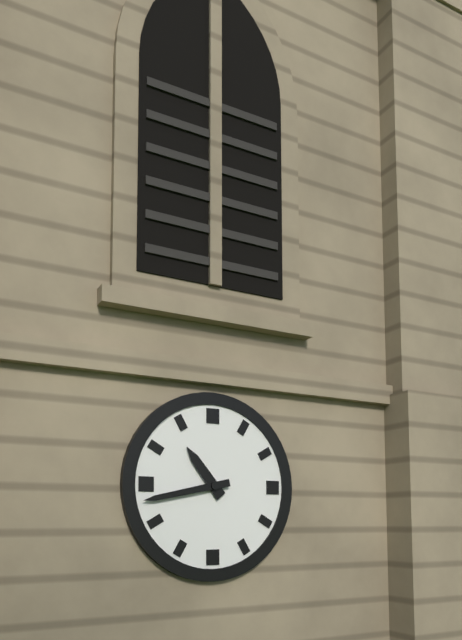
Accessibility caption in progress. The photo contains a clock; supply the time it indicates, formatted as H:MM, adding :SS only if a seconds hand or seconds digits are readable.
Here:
10:43
